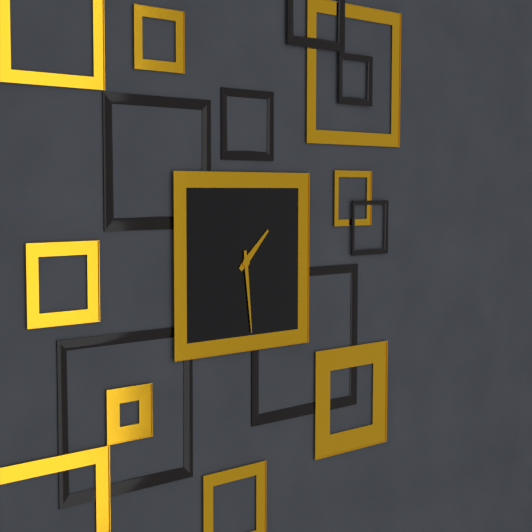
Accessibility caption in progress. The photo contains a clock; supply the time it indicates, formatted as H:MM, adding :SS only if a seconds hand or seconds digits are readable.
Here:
1:29
